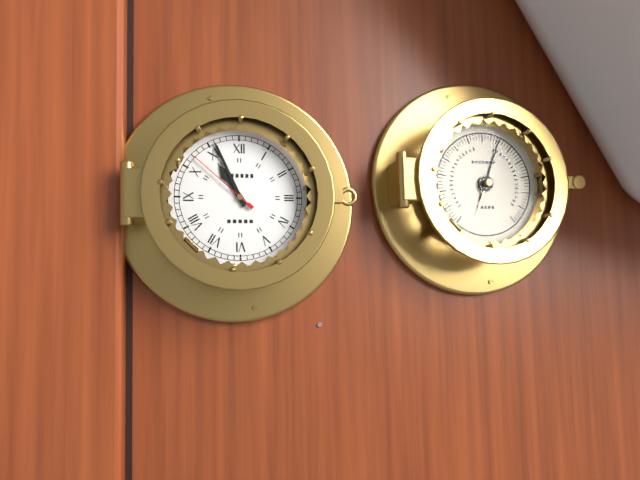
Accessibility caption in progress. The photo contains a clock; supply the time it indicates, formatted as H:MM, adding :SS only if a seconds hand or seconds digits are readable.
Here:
10:56:52
